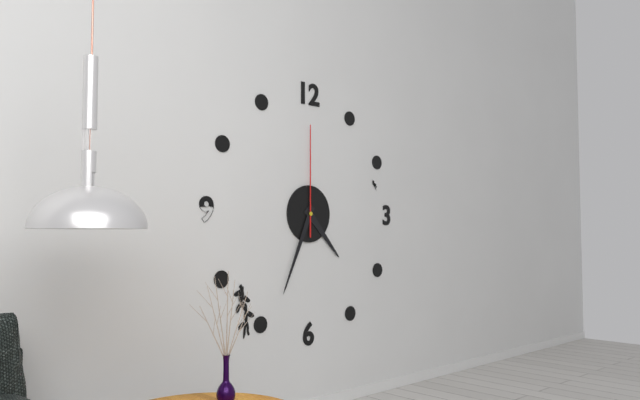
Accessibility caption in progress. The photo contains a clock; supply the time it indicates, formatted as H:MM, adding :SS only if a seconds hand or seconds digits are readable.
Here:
4:34:00
